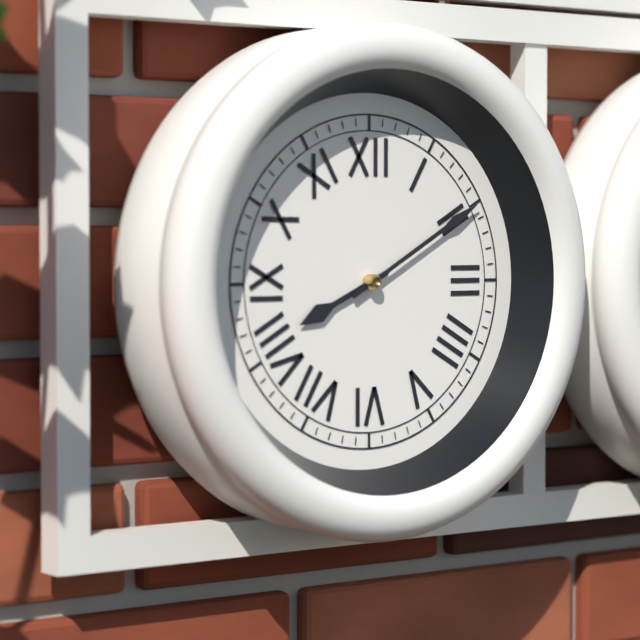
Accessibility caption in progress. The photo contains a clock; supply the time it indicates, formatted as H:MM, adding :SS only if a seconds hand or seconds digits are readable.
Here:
8:10
